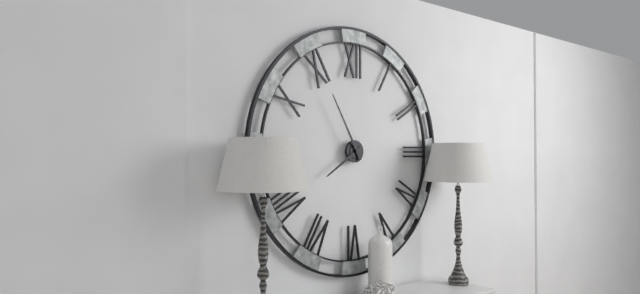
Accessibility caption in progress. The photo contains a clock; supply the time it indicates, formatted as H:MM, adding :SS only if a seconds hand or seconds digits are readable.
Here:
7:55
